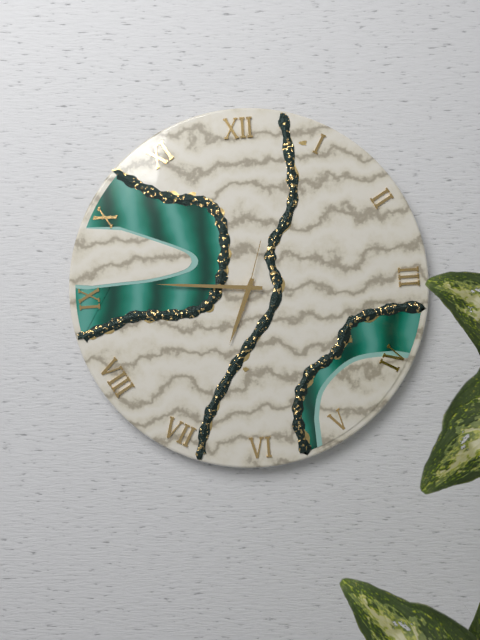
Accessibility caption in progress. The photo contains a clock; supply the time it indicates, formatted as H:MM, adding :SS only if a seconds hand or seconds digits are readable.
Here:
6:46:03
